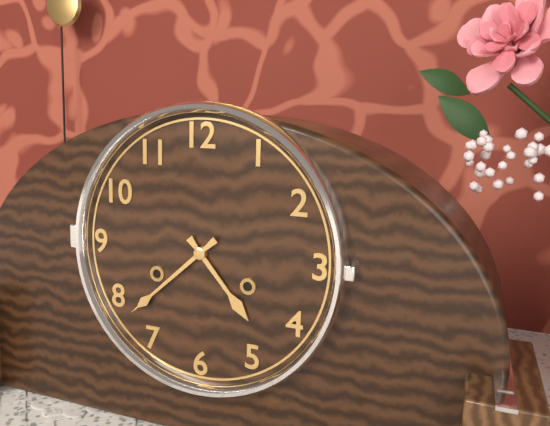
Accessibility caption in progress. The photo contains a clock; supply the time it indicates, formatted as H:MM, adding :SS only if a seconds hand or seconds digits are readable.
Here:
4:38
